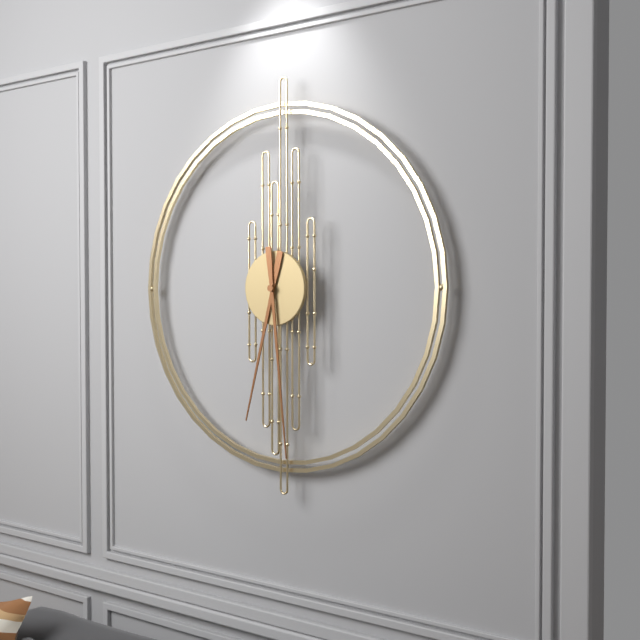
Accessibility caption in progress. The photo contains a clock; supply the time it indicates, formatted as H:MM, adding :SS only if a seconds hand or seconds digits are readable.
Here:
6:29
